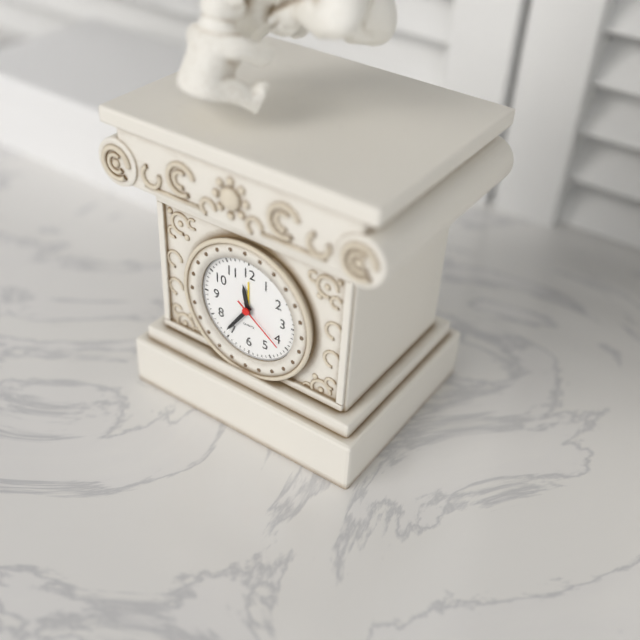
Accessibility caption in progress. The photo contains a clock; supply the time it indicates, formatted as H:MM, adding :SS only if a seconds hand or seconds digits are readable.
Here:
11:36:21
